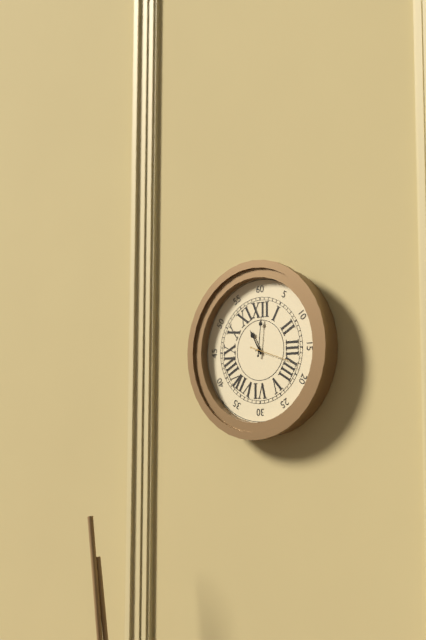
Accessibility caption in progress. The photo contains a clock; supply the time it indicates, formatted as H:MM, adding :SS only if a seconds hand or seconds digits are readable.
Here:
11:01
